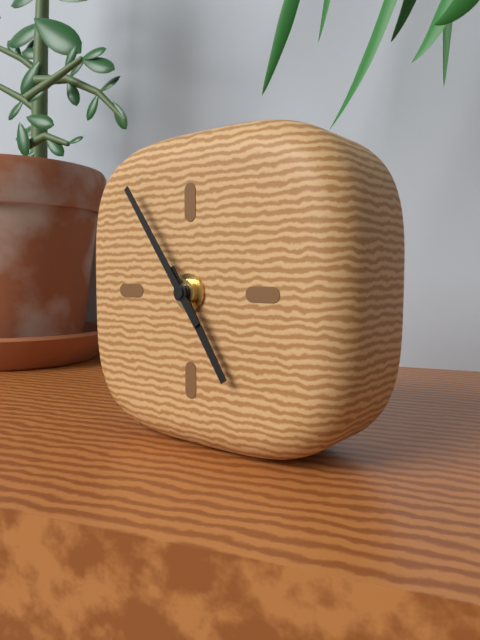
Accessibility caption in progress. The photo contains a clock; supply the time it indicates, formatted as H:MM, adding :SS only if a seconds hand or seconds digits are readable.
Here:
4:54
